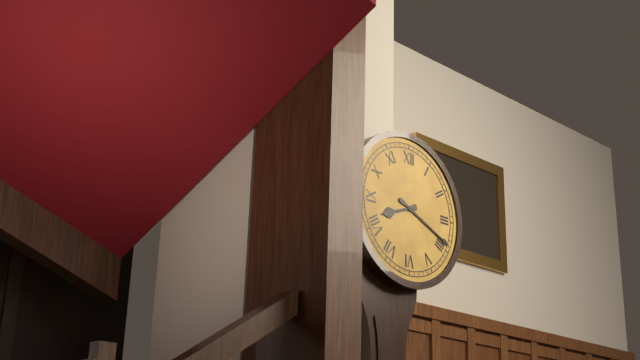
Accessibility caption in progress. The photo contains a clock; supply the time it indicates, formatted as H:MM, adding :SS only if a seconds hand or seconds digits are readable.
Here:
8:19
